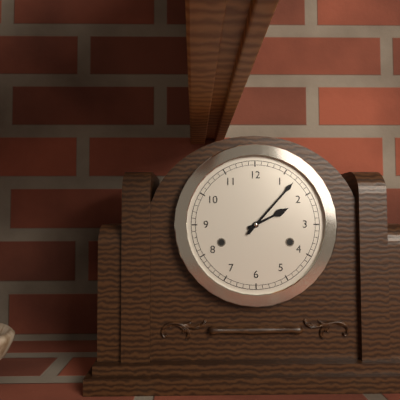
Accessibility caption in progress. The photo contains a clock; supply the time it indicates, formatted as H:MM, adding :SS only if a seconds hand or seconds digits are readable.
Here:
2:07
